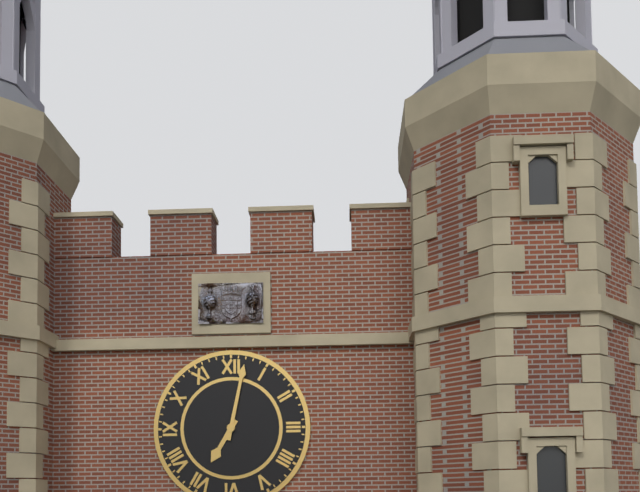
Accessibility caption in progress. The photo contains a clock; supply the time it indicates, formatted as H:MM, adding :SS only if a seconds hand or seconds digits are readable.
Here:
7:02
